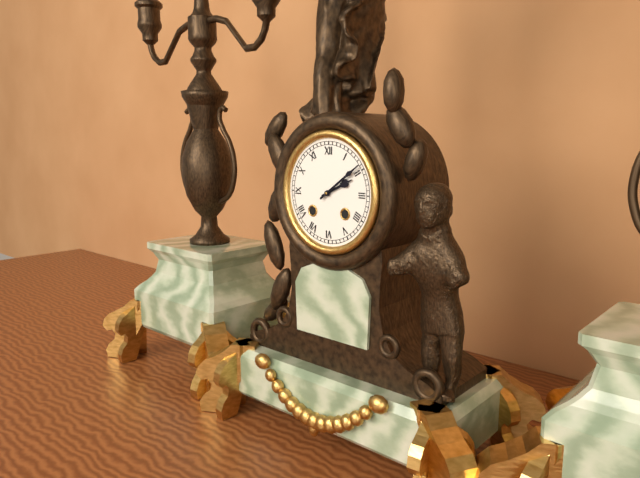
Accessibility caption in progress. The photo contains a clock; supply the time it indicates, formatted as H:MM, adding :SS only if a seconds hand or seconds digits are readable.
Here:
2:09
